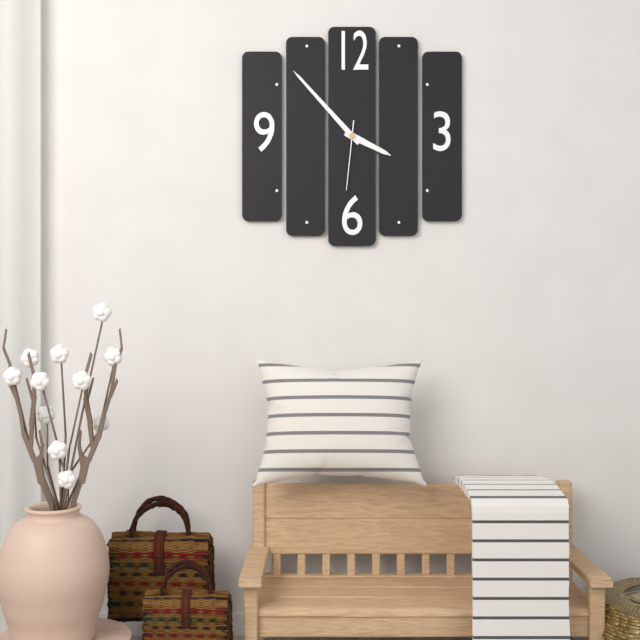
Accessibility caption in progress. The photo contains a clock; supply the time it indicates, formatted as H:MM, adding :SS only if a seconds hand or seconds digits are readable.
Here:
3:53:31
